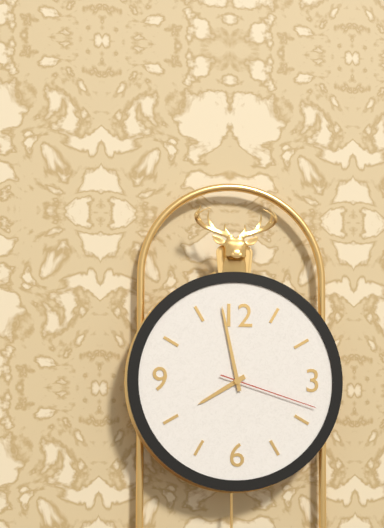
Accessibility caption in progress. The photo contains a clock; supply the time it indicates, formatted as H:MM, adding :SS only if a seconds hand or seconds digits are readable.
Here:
7:58:18
